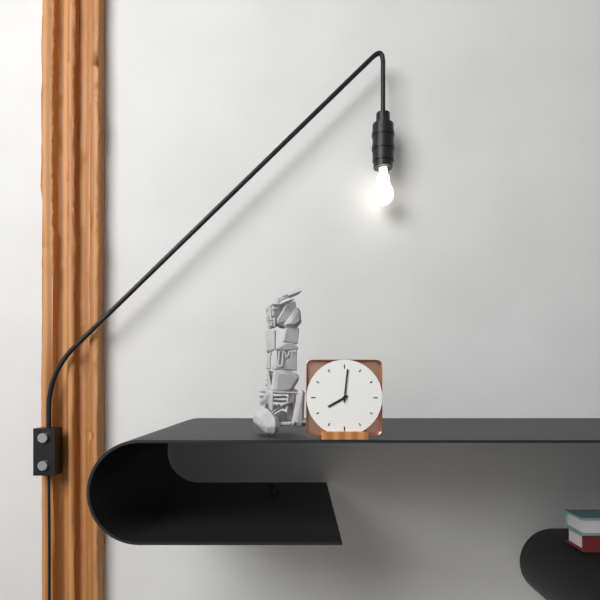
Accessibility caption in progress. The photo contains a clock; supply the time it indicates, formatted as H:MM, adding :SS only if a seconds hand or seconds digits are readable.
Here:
8:01
